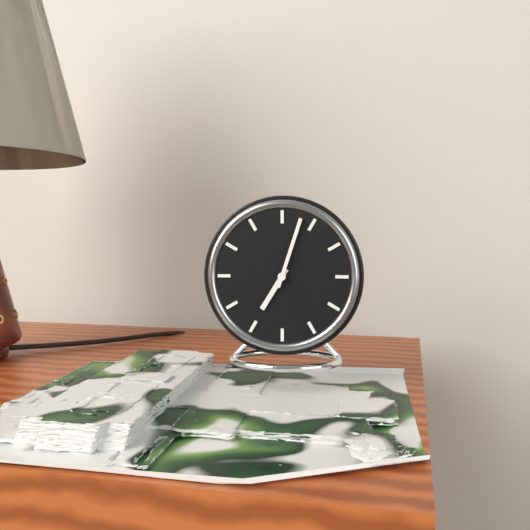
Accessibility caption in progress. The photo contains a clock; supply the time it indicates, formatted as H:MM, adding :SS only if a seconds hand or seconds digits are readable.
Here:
7:03
